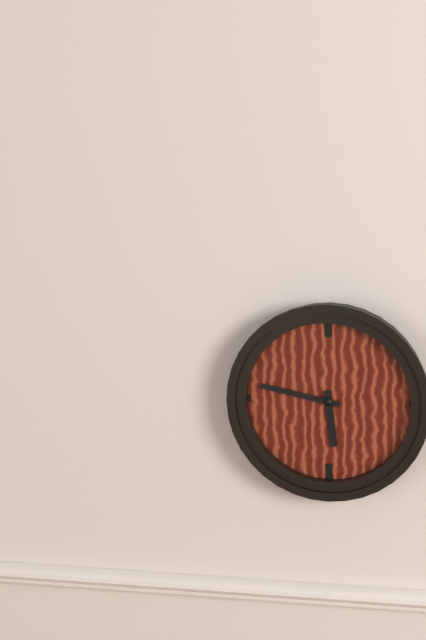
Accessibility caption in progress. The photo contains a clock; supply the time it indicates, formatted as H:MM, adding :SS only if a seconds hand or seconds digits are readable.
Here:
5:47
